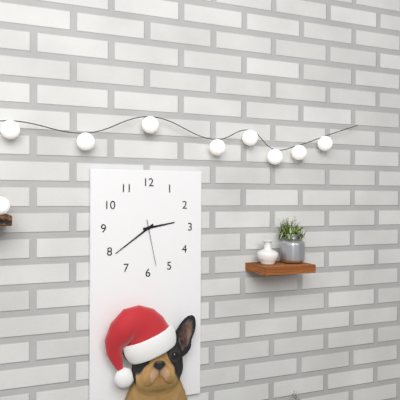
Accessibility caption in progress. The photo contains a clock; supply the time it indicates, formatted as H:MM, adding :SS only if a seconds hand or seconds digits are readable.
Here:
2:39
